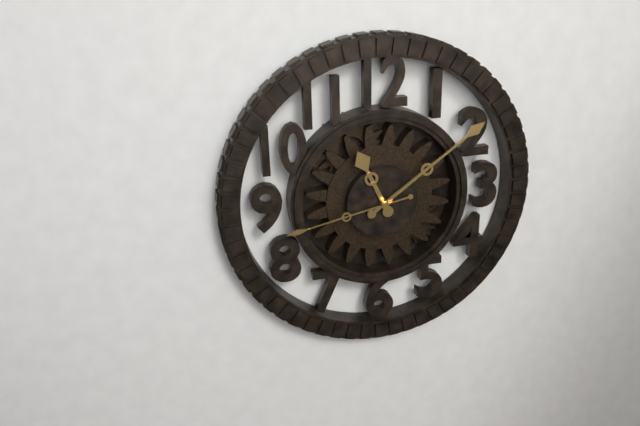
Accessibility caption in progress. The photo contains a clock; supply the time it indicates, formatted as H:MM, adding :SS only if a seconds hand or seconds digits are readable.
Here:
11:09:43
